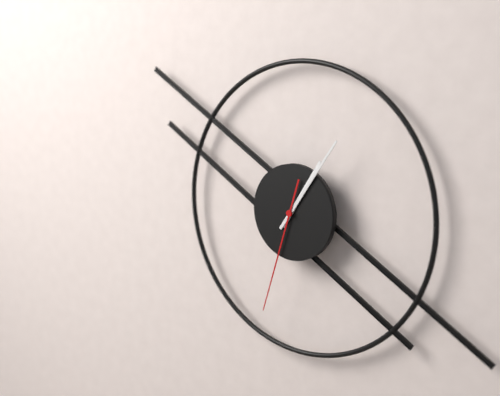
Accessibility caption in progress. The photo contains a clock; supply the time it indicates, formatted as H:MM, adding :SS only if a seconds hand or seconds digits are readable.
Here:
1:06:33
